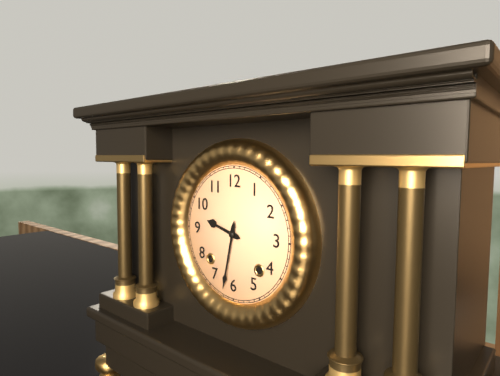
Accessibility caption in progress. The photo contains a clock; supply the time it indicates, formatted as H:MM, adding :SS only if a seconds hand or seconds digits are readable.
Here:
9:32
